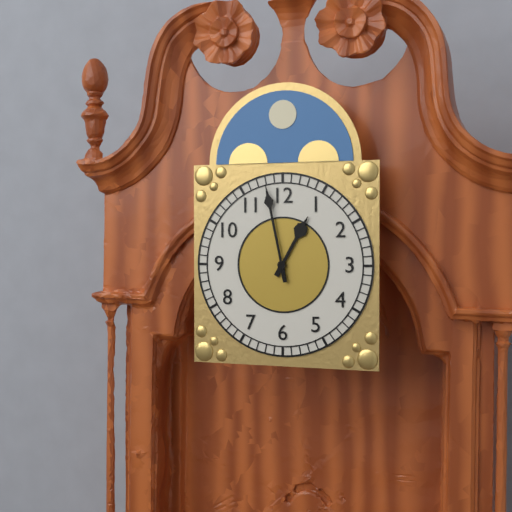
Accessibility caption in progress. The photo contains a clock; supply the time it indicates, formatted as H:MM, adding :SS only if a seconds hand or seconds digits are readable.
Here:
12:58
